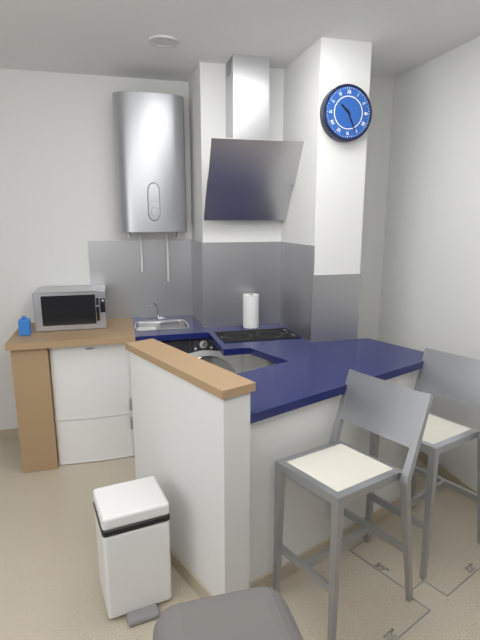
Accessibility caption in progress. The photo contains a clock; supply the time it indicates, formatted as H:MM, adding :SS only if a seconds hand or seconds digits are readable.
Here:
10:26
